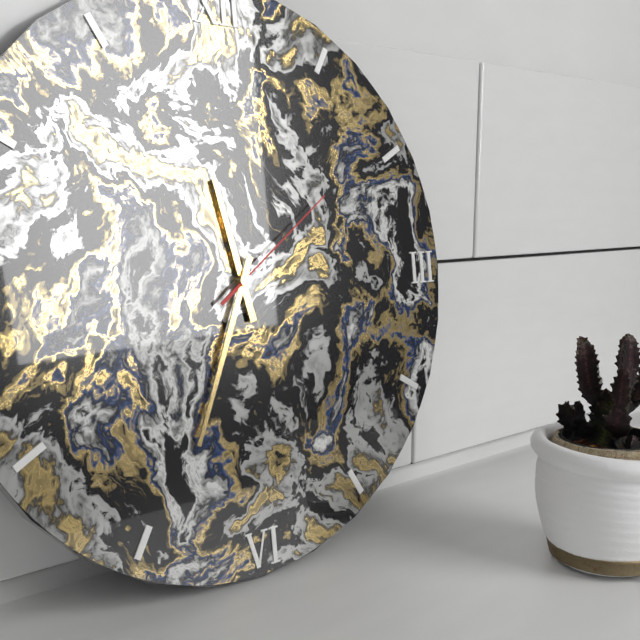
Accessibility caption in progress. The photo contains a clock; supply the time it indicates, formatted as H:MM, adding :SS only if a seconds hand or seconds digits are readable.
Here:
11:34:09
